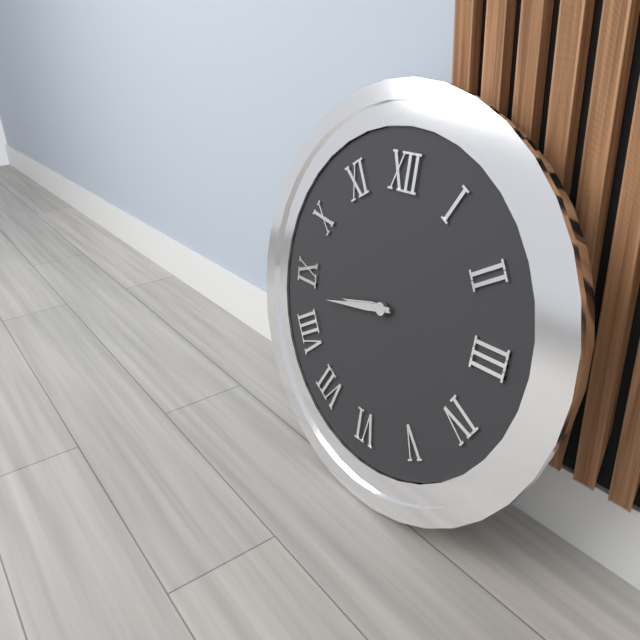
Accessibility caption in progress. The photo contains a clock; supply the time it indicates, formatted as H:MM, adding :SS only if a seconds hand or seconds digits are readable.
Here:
8:43
